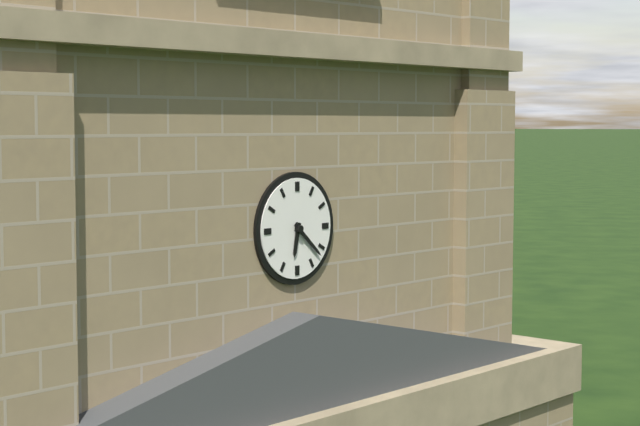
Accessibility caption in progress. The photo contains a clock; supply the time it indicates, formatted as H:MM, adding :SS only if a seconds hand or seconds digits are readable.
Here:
6:22
